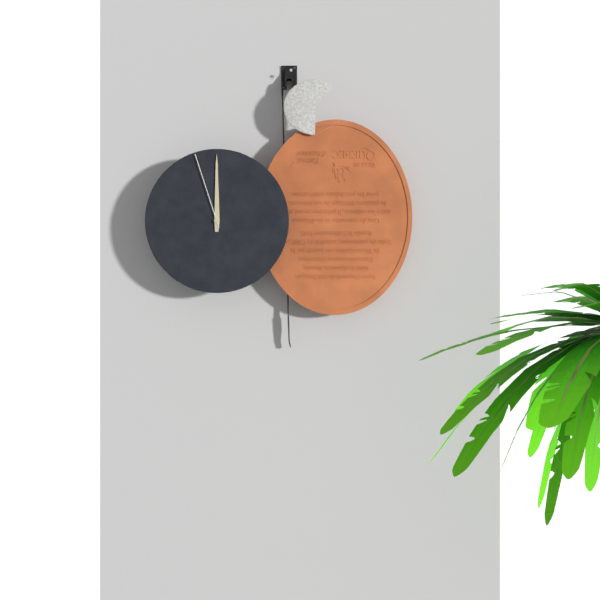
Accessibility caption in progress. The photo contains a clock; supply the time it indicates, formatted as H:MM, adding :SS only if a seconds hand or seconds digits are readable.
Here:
12:00:57
